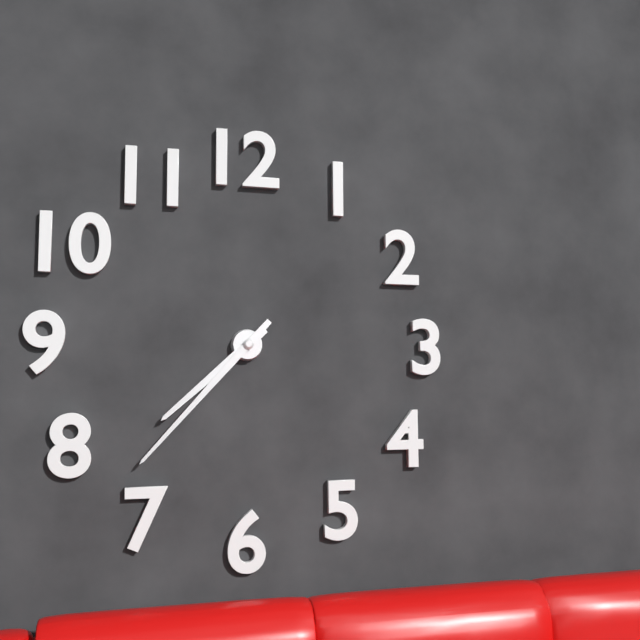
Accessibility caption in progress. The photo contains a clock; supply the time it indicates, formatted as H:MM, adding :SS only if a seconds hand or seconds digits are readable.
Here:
7:37
